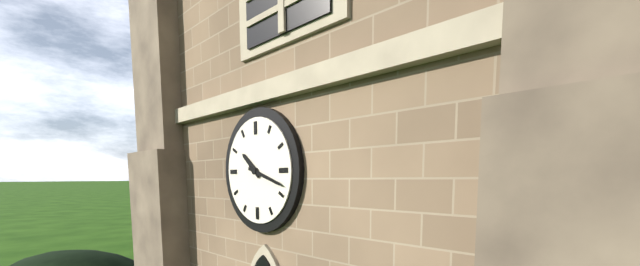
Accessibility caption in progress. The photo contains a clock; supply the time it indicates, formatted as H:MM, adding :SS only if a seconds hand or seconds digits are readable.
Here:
10:18
